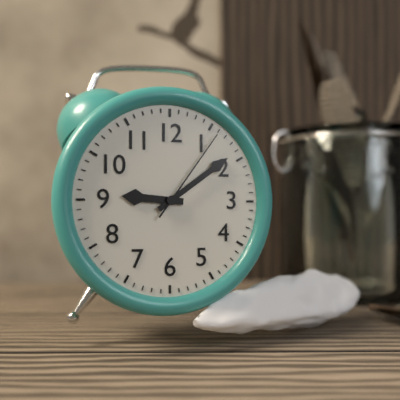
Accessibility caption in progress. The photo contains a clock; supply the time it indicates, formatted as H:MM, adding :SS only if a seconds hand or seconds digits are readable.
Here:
9:09:06
